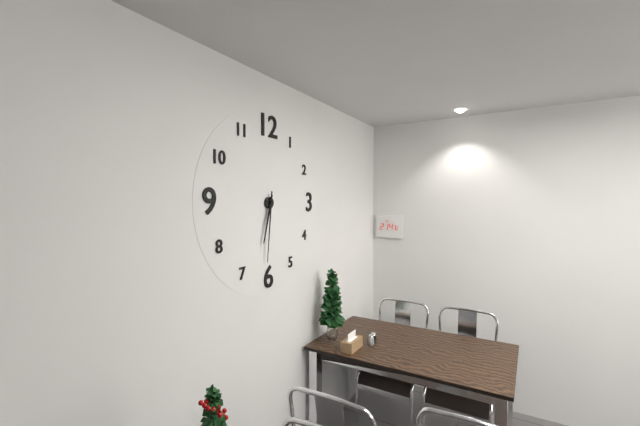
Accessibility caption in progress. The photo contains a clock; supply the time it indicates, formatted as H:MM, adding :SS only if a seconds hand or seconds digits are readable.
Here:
6:31
